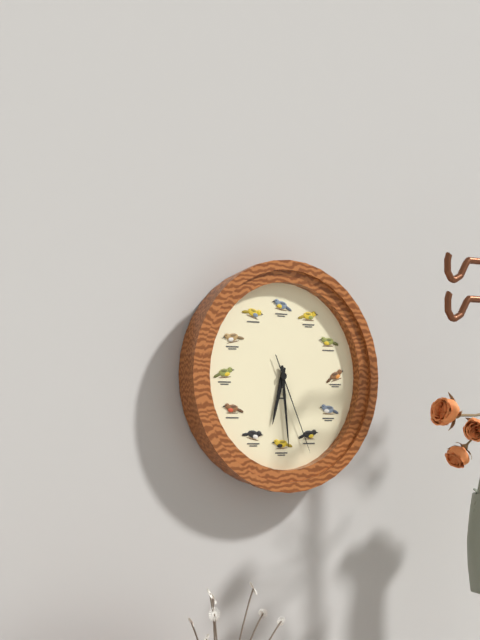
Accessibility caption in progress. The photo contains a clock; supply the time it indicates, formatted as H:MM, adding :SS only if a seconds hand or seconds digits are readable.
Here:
6:29:26
